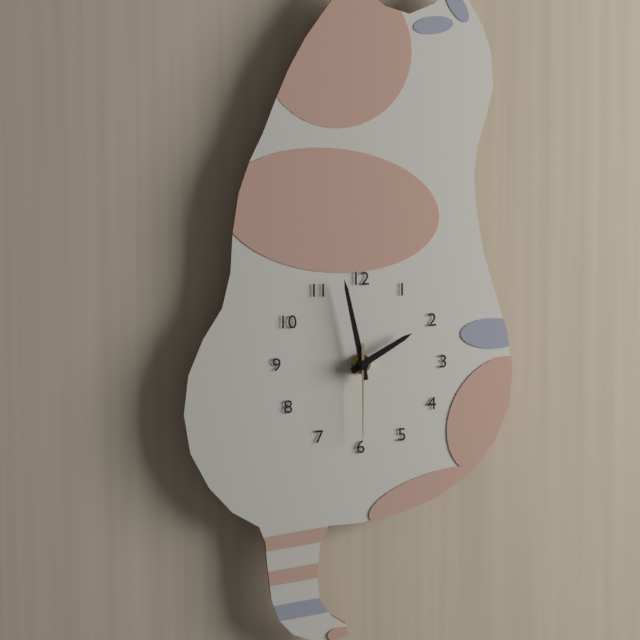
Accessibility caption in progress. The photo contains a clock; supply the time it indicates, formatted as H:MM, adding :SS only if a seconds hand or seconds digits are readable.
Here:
1:58:30
